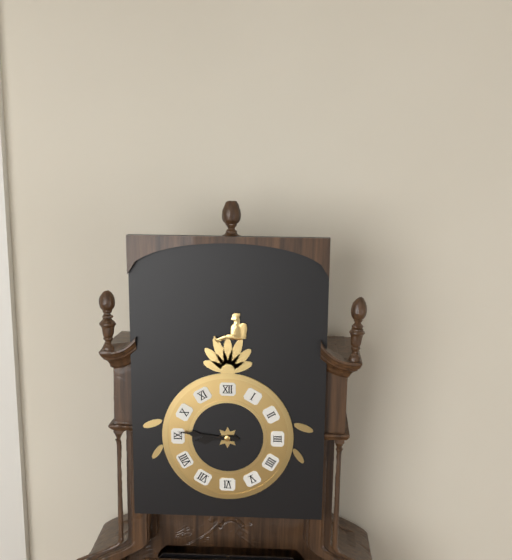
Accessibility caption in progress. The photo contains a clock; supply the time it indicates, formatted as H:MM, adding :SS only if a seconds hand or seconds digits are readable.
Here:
8:46
